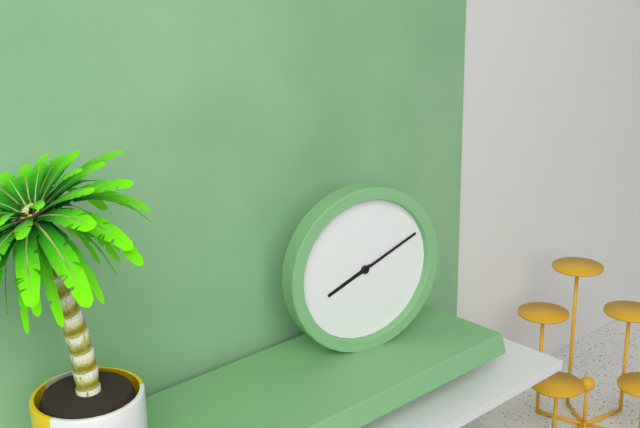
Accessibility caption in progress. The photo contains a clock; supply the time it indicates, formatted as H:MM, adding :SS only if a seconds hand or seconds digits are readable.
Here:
8:11
